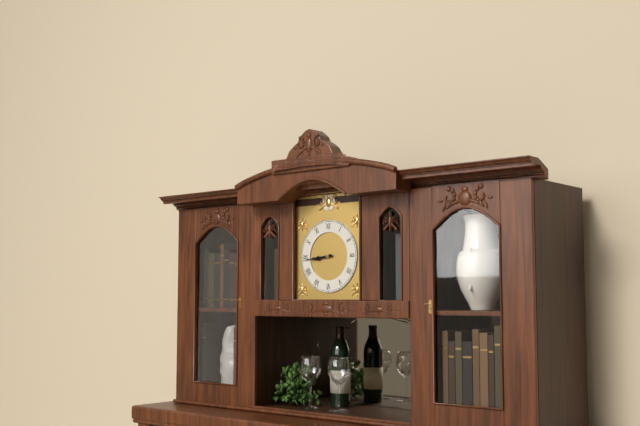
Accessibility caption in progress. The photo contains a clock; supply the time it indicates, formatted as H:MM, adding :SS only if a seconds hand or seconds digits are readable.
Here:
8:44
